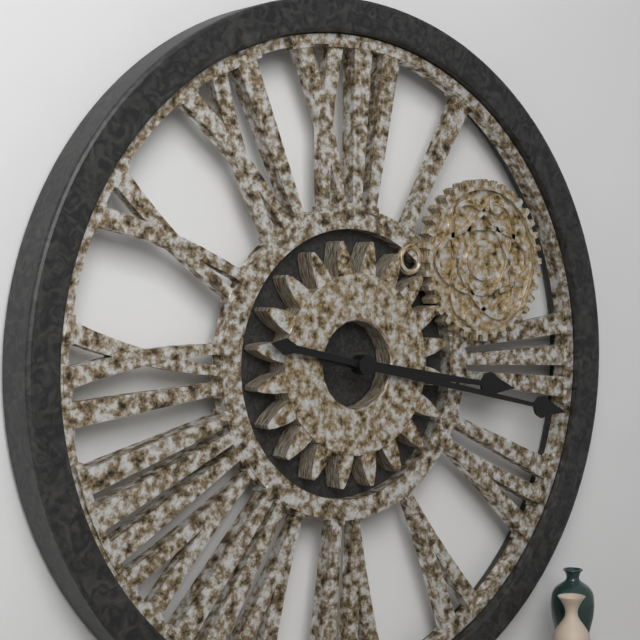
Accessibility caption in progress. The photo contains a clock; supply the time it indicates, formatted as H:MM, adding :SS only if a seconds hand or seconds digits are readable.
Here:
3:17
